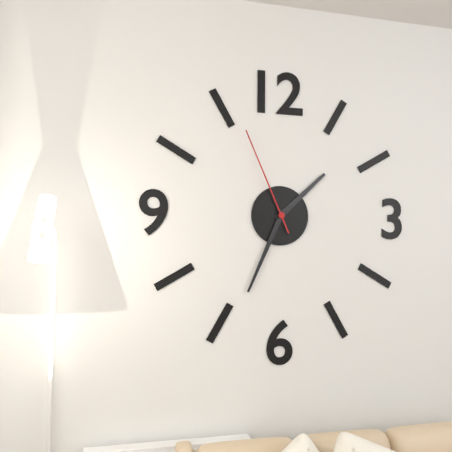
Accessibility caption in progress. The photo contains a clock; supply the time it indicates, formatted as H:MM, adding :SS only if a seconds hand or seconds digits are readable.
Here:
1:34:56
